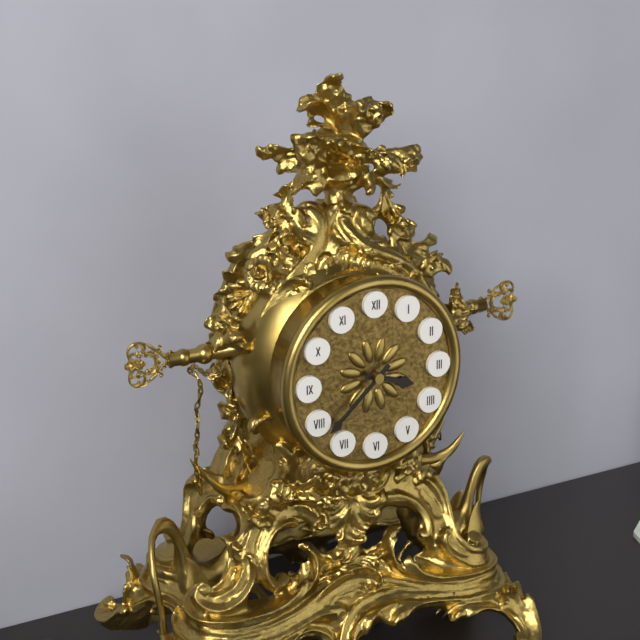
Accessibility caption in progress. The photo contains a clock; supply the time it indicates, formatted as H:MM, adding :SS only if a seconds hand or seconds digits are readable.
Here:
3:38
